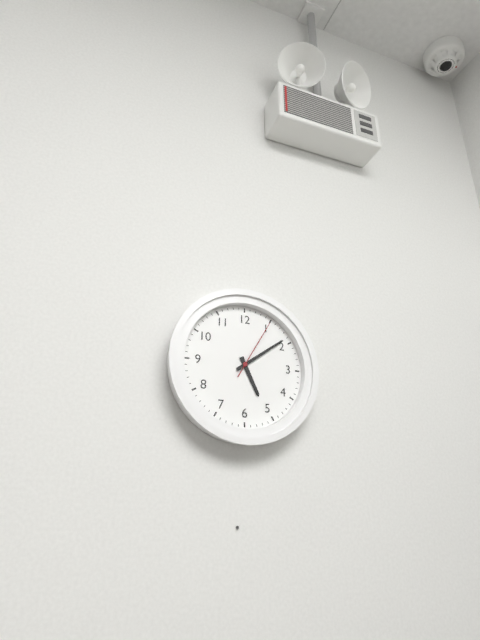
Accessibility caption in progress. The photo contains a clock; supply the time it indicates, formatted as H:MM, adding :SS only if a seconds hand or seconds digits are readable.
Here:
5:09:05
